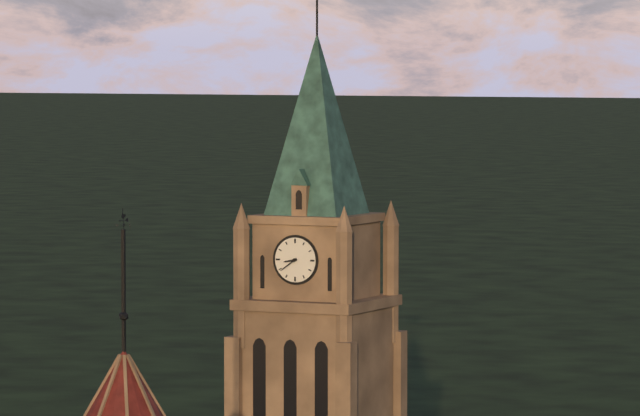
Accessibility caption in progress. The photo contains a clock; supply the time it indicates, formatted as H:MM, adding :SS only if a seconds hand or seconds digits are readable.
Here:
8:39
